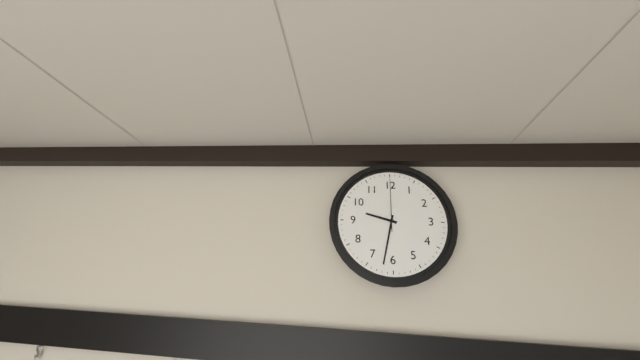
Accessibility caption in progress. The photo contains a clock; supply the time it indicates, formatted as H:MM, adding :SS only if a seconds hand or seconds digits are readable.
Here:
9:32:00
